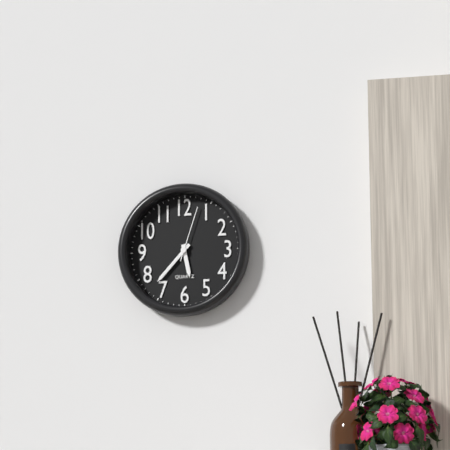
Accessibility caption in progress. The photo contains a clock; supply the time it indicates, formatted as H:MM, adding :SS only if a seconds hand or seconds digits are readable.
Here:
5:37:03
